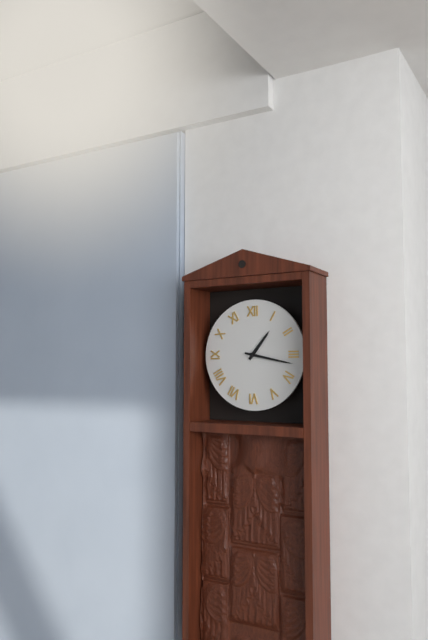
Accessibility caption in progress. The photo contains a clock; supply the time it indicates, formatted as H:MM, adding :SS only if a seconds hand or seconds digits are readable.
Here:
1:17
